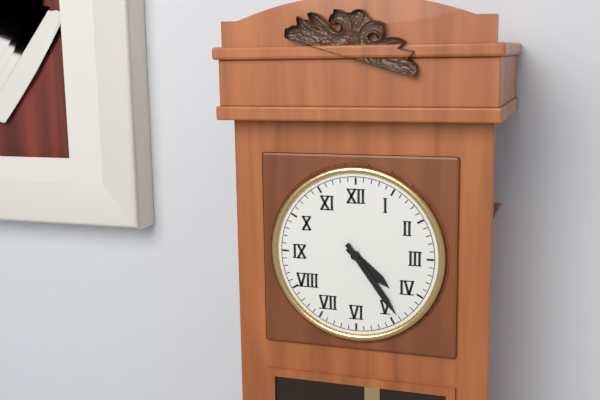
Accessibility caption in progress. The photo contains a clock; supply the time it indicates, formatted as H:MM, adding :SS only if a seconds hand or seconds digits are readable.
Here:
4:24
